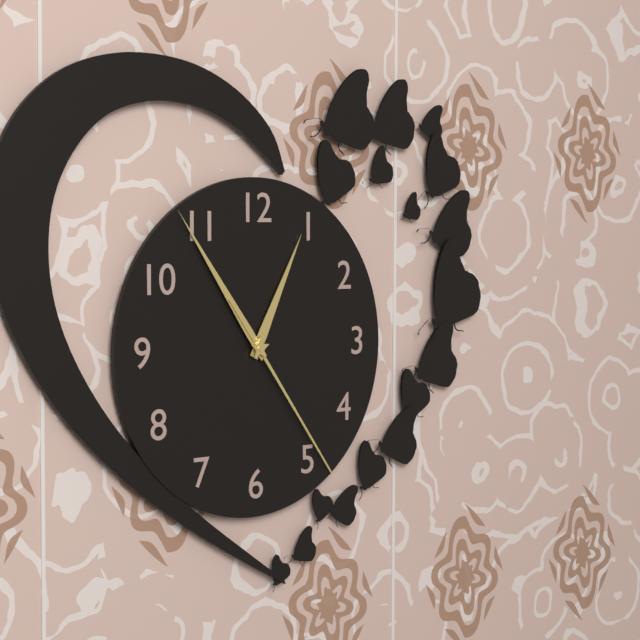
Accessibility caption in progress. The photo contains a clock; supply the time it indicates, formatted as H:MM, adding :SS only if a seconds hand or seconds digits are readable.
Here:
12:54:24
